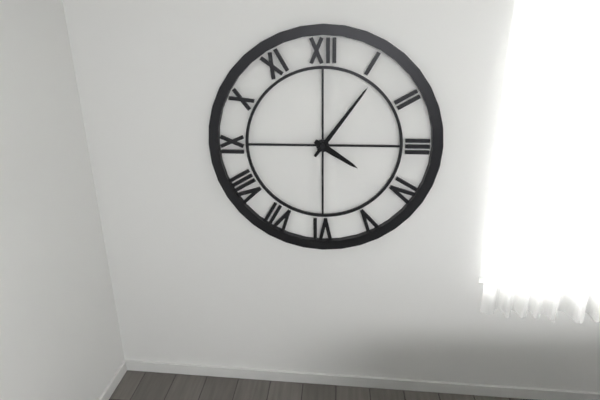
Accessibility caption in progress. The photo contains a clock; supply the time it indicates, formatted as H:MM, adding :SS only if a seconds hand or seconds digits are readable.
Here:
4:06
